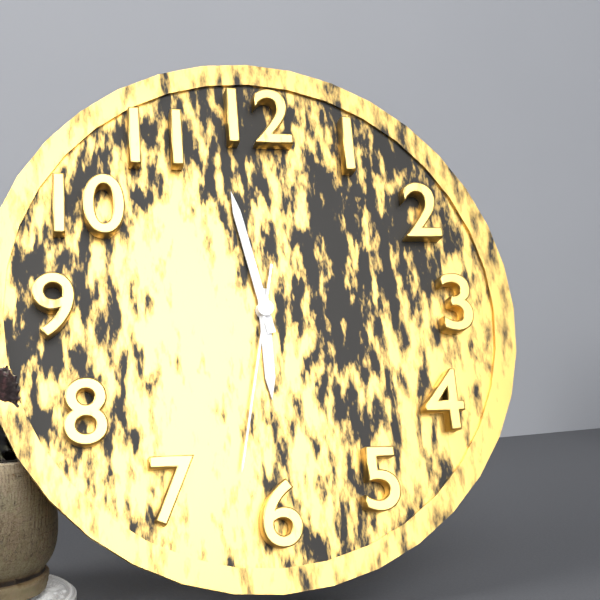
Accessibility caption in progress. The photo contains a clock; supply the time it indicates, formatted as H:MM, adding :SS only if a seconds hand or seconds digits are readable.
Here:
5:58:32
